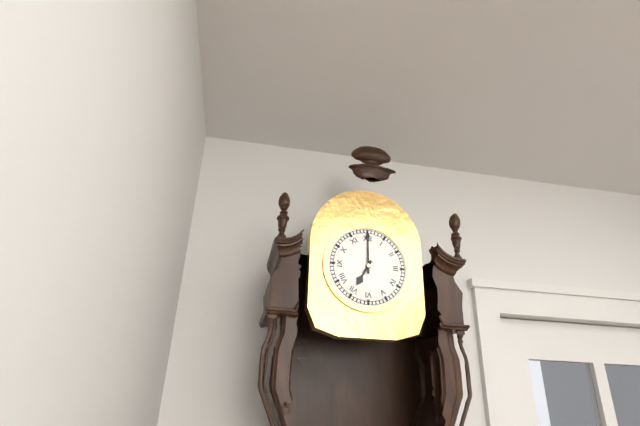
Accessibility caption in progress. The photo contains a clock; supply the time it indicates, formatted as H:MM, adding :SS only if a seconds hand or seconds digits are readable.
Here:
7:00
